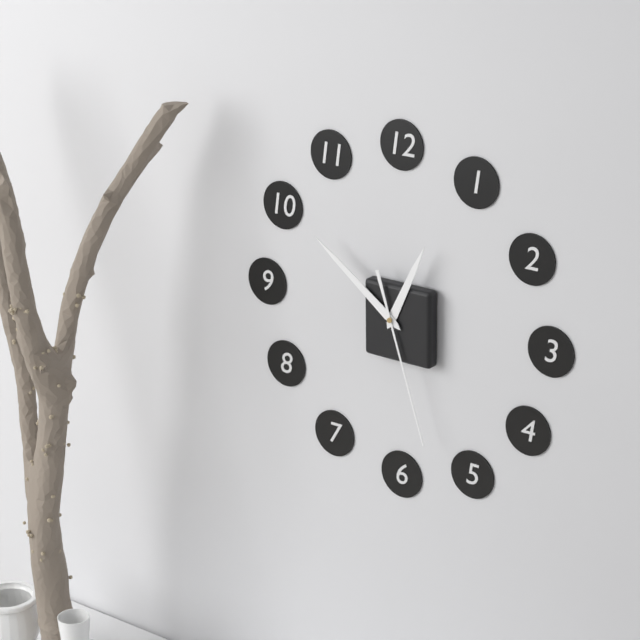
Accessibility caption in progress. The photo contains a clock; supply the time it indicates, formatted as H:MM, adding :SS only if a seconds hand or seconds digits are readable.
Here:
12:51:27
